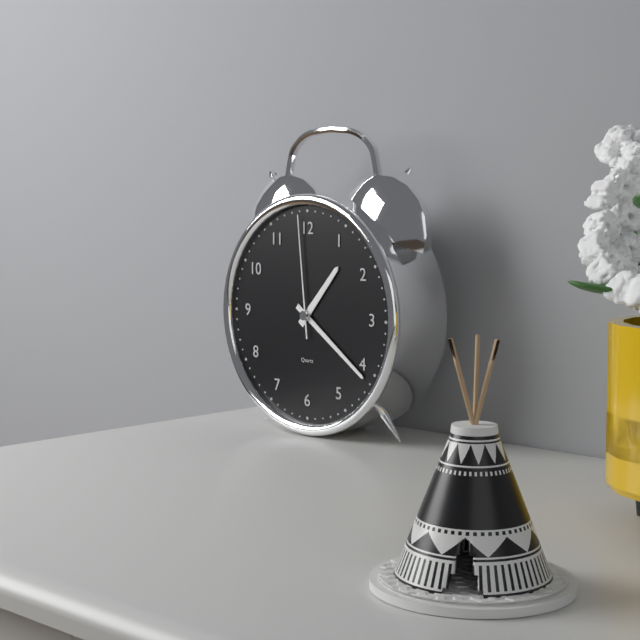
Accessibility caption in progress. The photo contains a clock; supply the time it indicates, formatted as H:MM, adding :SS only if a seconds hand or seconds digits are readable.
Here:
1:21:59
